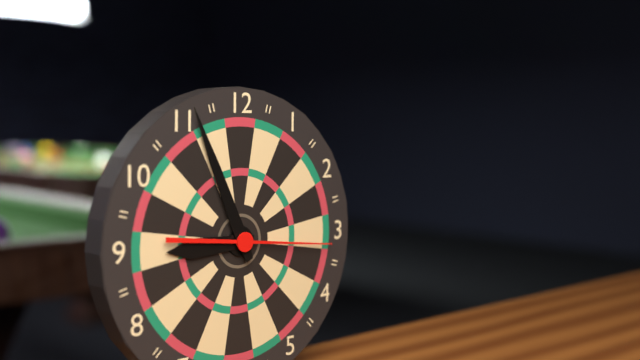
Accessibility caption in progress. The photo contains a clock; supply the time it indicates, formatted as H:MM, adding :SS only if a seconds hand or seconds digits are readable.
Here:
8:56:16
